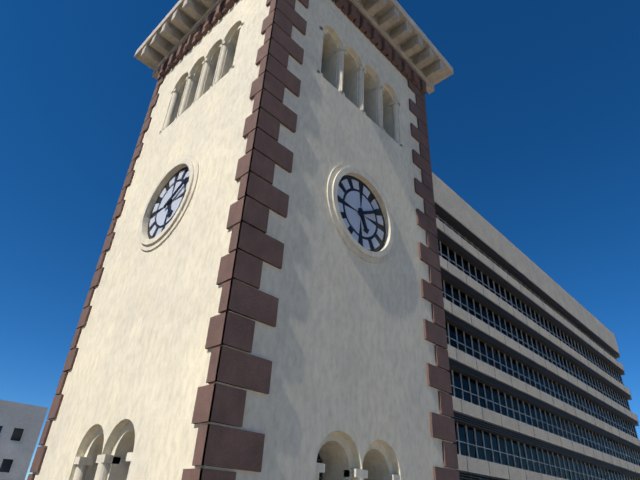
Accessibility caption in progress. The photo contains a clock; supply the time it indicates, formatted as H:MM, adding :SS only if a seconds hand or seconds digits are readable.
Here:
5:10
